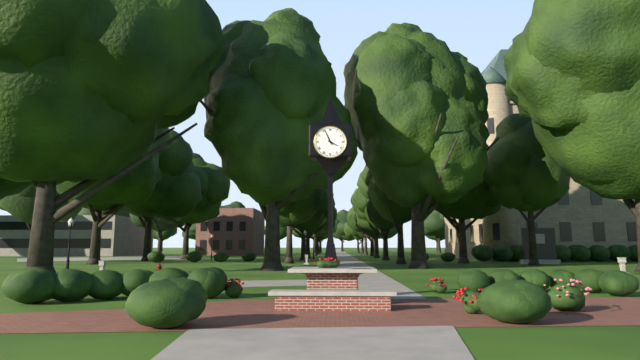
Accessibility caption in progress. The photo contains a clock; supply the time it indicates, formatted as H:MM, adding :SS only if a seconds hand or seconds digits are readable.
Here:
3:56
